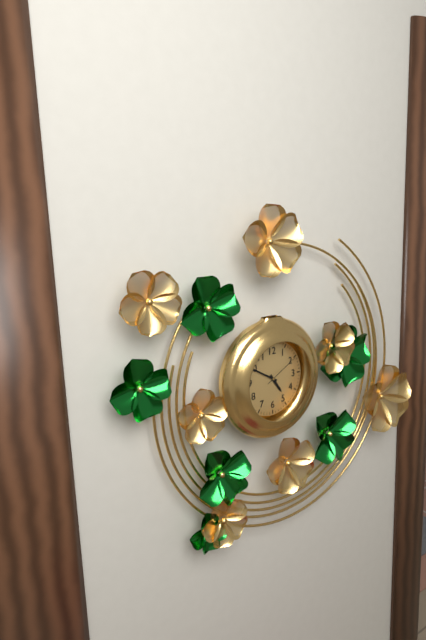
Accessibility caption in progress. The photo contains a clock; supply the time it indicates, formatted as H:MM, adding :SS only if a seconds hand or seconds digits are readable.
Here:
4:50
